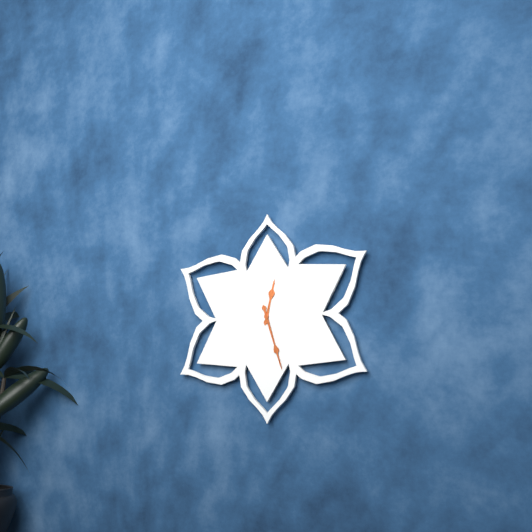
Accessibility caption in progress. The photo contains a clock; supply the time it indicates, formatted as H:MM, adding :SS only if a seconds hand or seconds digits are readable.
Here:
12:27
